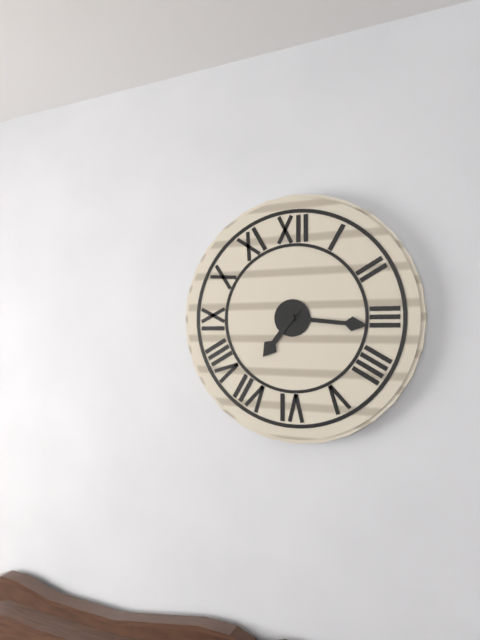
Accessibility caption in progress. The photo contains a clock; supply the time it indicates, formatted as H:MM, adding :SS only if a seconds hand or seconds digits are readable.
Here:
7:16
